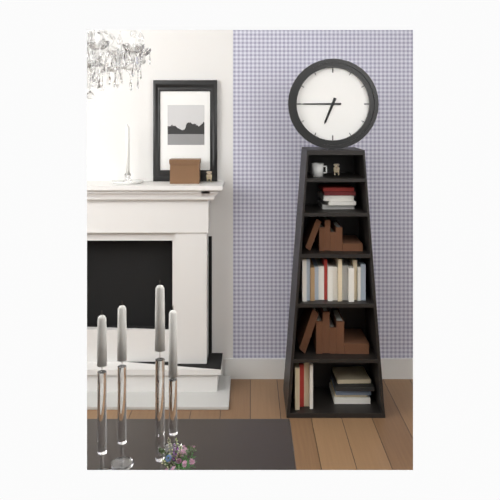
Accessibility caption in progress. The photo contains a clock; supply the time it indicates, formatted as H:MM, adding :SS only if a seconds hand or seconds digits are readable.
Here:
6:45
